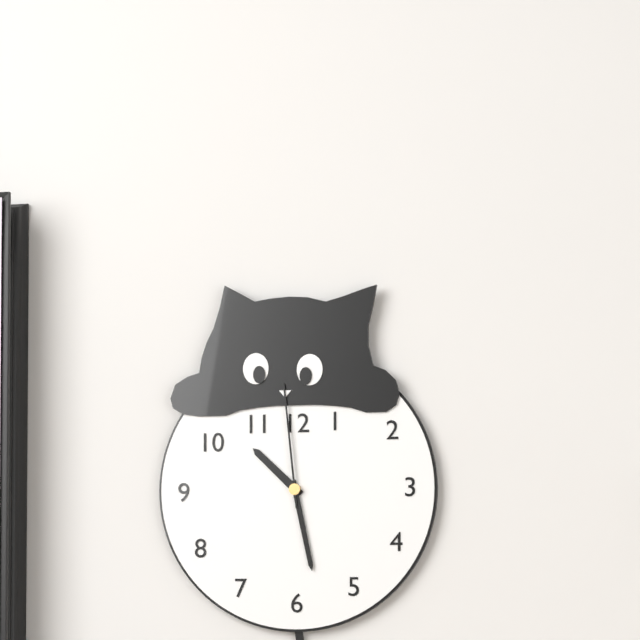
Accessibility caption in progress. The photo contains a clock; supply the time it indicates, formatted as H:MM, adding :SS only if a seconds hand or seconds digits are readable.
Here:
10:28:59
